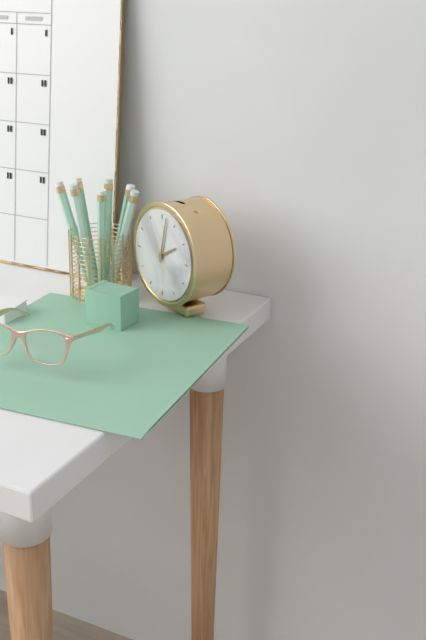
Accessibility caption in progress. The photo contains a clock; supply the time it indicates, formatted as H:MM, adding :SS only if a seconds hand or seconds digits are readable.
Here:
2:02
